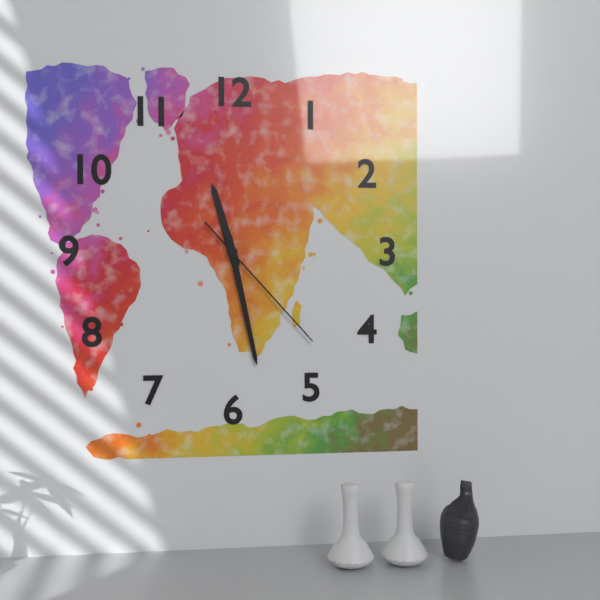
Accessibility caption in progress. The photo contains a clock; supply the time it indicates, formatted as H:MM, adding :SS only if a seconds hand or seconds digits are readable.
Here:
11:28:23
